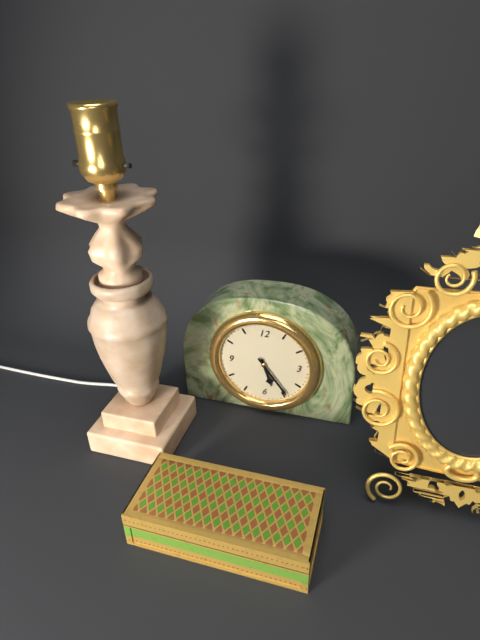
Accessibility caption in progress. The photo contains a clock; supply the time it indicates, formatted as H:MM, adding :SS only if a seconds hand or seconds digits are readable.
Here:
5:24
